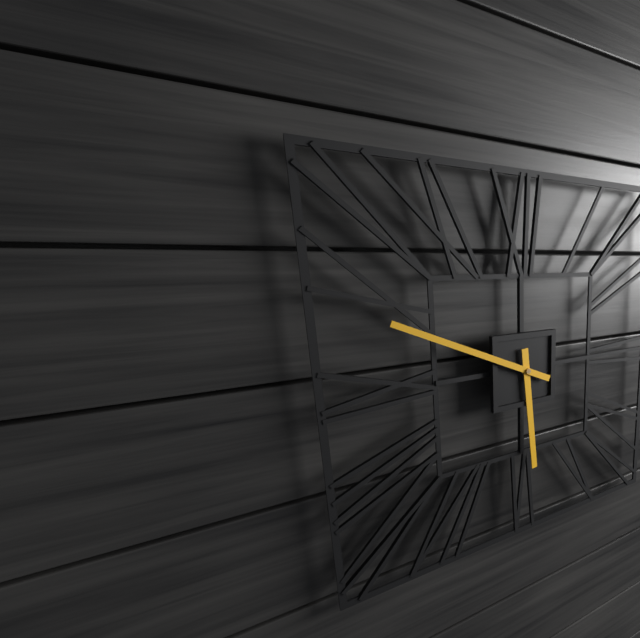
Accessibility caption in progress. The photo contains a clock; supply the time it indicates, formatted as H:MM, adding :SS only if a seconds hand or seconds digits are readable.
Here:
5:49
